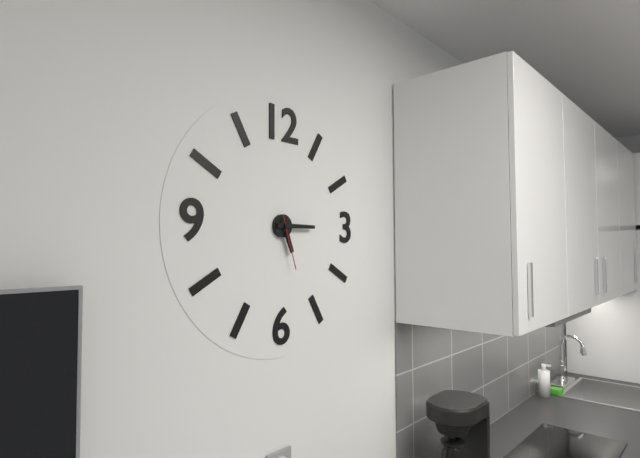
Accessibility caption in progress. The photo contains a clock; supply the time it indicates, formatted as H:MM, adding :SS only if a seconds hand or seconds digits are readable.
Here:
5:15:27
